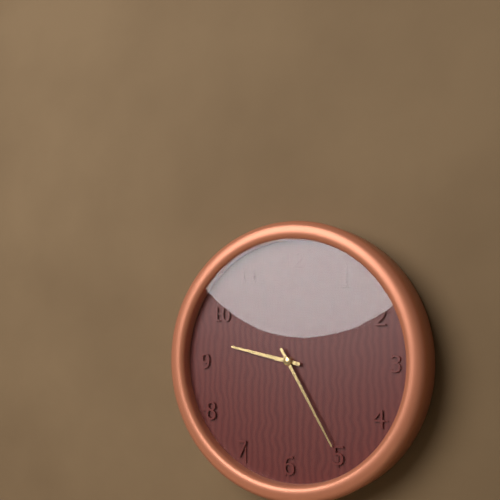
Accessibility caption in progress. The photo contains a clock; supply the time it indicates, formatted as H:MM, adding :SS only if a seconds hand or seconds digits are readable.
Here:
9:25
